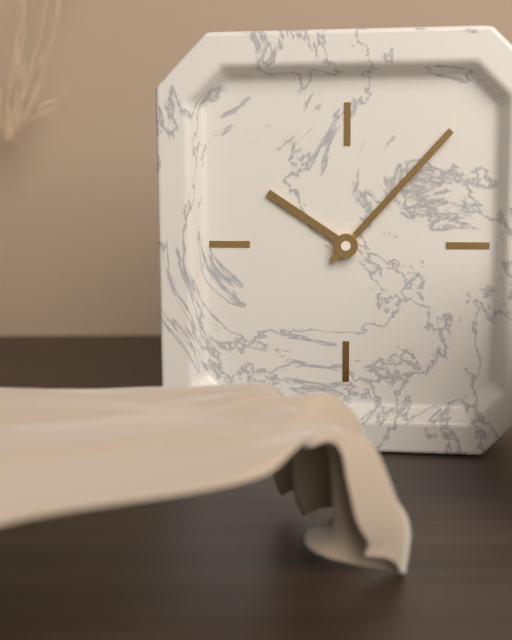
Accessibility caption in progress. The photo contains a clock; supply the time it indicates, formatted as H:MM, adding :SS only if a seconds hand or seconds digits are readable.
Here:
10:07
